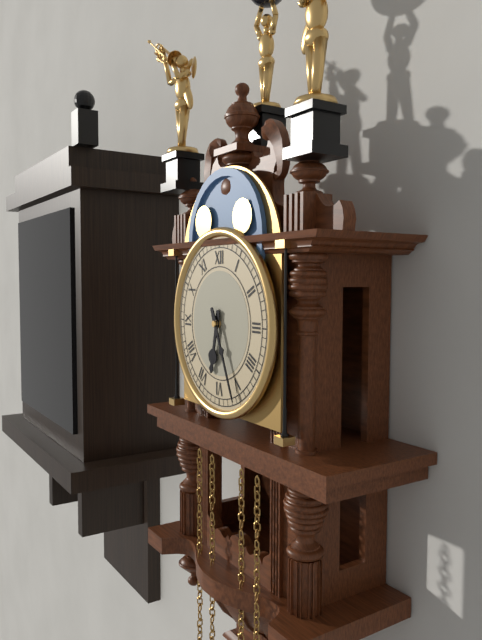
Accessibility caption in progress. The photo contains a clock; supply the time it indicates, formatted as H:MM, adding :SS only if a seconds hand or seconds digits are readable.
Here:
6:26
